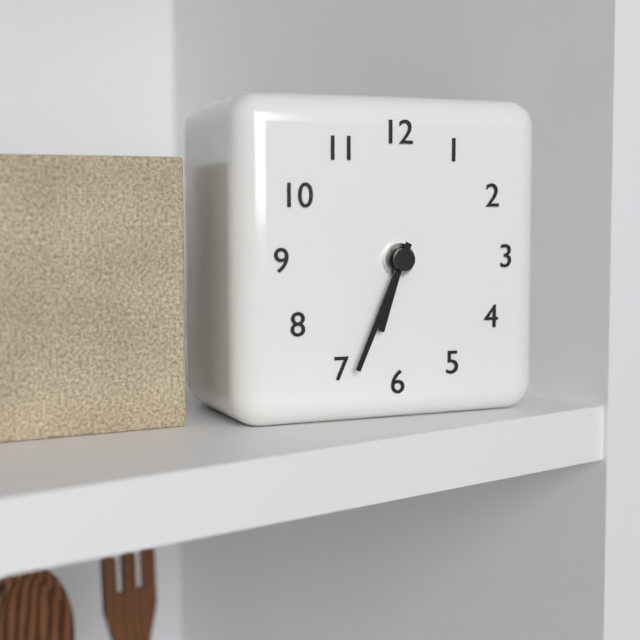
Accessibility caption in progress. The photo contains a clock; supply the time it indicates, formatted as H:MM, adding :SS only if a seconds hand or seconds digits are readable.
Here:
6:34
